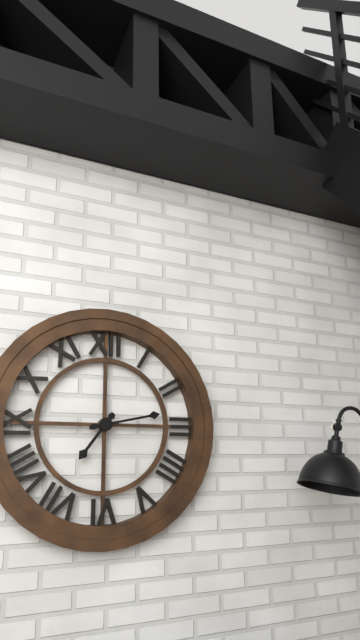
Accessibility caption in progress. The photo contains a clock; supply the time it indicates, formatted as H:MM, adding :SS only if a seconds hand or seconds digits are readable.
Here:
7:13
